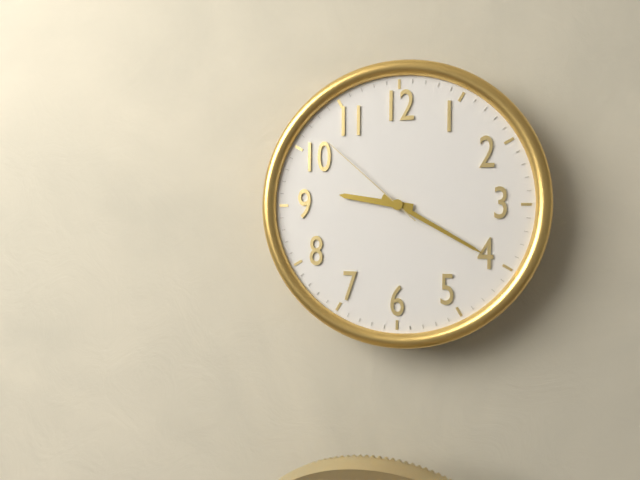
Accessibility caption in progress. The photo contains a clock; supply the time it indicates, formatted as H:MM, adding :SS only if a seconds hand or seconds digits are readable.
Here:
9:20:52
